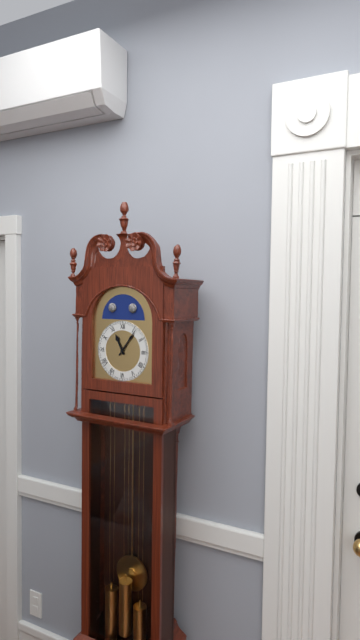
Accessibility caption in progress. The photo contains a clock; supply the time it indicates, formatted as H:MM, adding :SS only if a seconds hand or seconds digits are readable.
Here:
11:06
